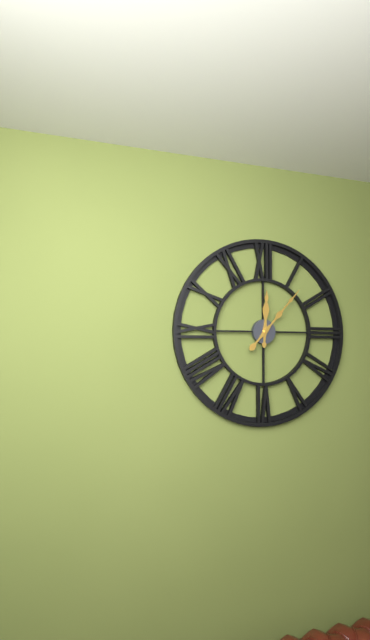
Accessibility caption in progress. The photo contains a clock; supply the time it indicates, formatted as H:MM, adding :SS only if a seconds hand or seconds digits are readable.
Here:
12:07
